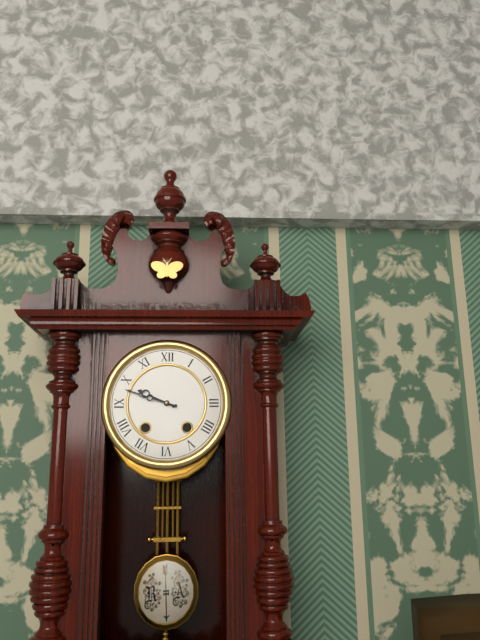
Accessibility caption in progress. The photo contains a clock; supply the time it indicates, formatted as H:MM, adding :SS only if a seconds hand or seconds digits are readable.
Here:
9:48
